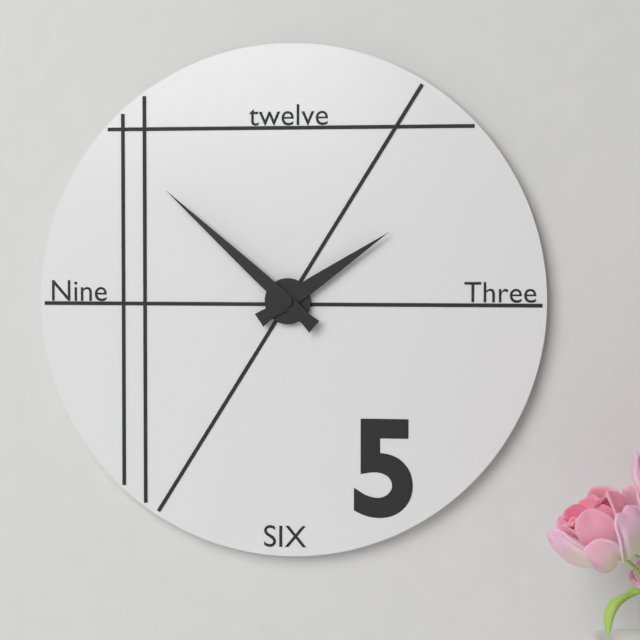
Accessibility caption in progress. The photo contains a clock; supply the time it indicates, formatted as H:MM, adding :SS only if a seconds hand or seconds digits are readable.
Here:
1:52
